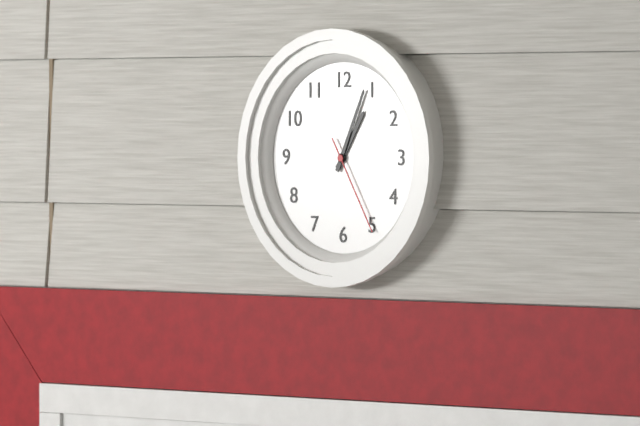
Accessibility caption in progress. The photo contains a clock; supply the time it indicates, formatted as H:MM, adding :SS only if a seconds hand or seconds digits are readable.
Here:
1:04:25
